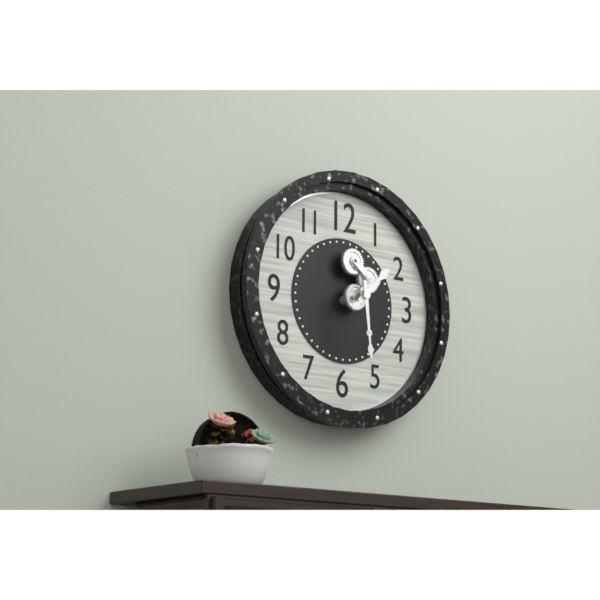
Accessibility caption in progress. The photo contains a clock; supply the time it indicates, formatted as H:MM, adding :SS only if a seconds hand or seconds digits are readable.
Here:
1:29
